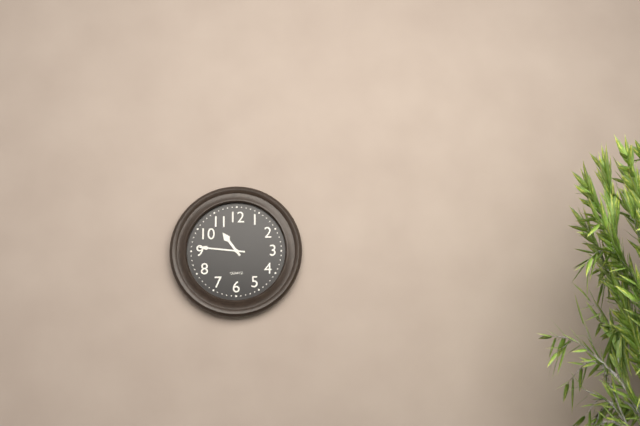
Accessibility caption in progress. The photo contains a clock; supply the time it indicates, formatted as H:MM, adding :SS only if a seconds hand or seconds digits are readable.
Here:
10:46
